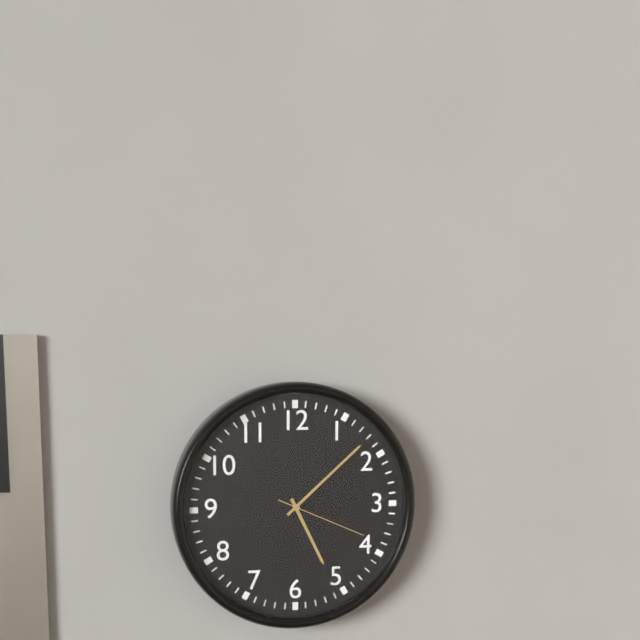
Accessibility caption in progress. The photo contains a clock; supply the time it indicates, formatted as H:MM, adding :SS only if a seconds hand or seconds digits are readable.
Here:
5:08:19
